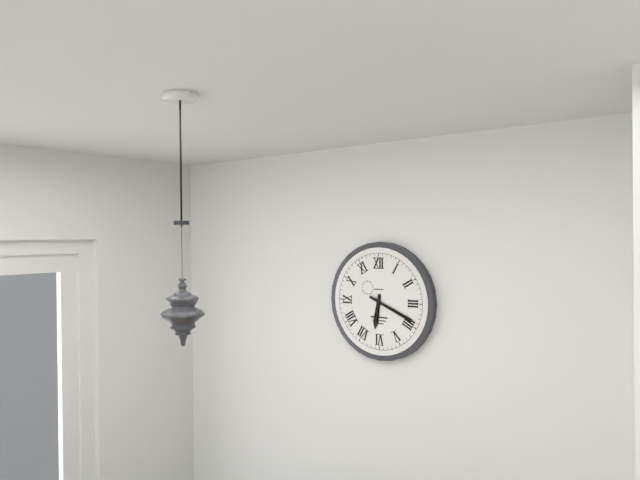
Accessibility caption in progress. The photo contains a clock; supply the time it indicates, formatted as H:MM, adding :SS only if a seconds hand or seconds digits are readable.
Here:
6:19
